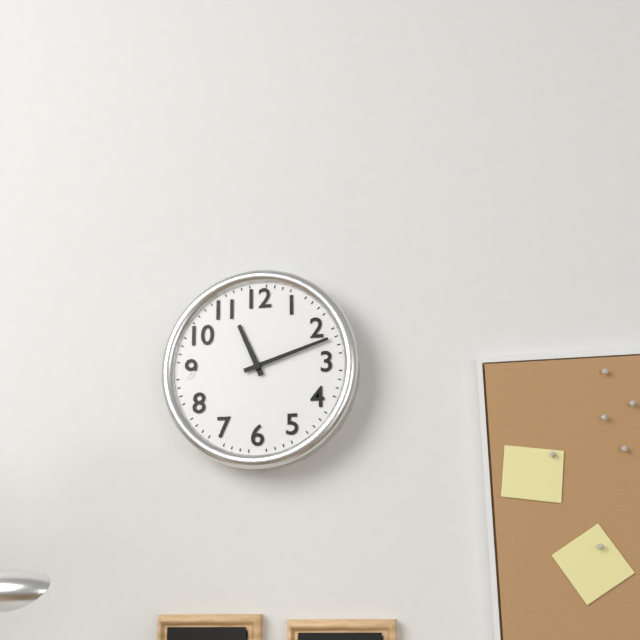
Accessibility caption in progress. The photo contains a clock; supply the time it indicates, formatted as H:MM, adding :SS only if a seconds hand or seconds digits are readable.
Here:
11:12
